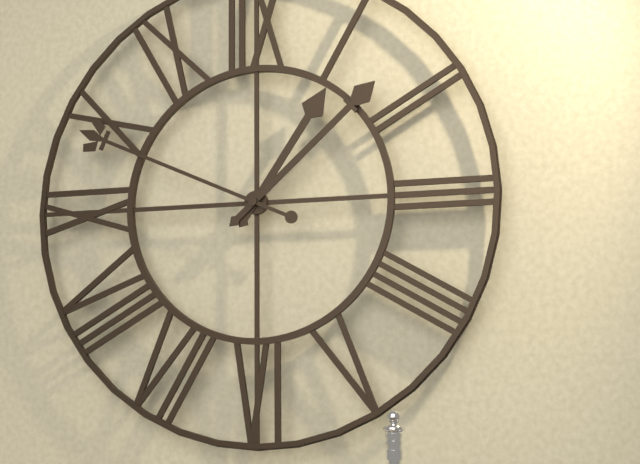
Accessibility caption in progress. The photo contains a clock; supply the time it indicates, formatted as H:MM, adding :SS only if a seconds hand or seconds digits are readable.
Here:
1:08:49
